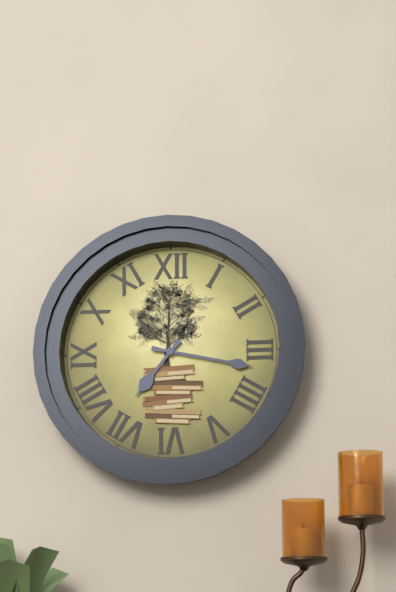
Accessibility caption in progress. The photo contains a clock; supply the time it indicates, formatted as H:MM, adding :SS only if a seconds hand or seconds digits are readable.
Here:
7:17
